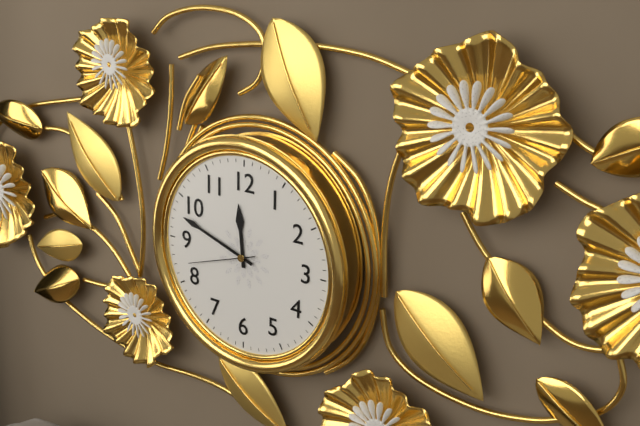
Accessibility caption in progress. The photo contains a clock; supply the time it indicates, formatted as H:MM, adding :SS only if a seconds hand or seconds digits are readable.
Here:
11:48:42
